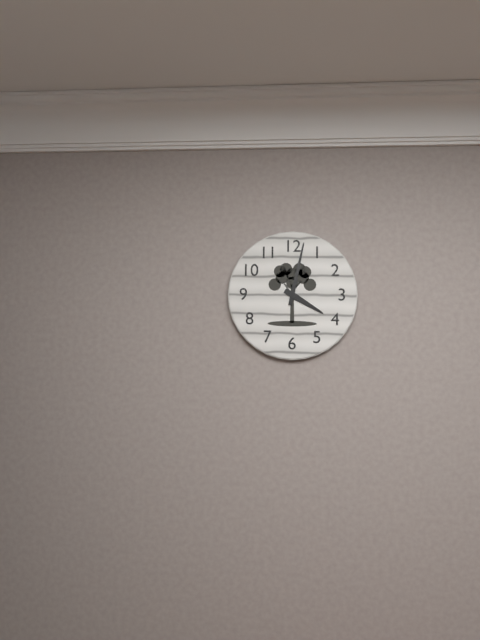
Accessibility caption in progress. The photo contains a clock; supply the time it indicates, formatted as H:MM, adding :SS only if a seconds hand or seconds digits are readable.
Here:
4:02
